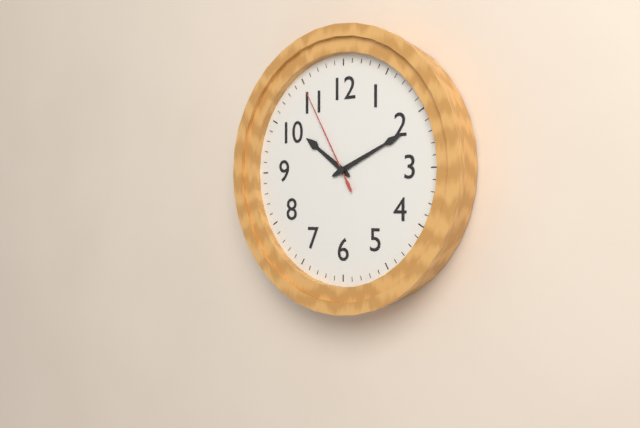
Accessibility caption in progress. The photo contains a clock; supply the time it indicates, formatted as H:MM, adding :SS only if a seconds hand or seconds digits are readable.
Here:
10:11:55
